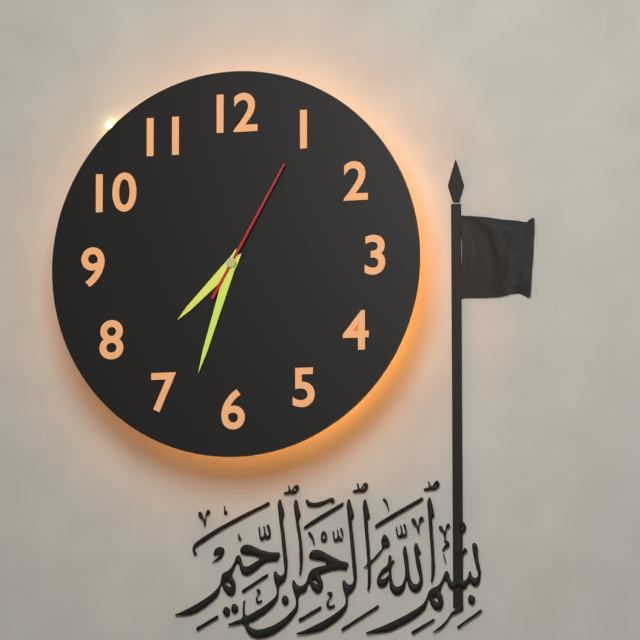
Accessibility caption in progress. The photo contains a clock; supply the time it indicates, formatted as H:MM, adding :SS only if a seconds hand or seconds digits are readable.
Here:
7:33:05
